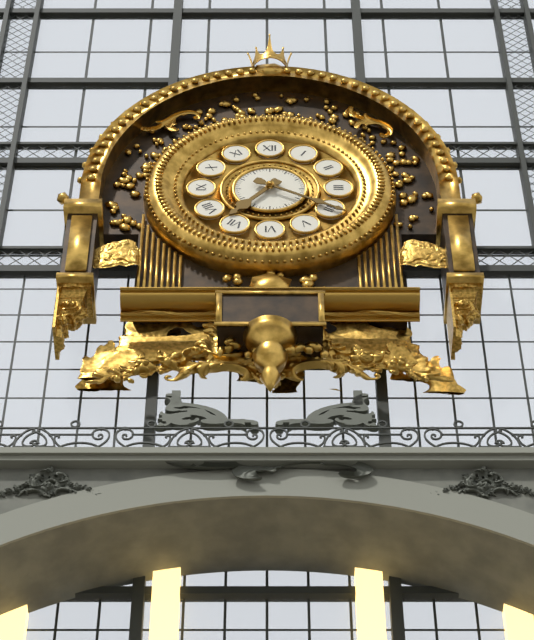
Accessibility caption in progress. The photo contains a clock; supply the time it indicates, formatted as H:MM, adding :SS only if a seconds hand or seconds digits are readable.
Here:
7:20
